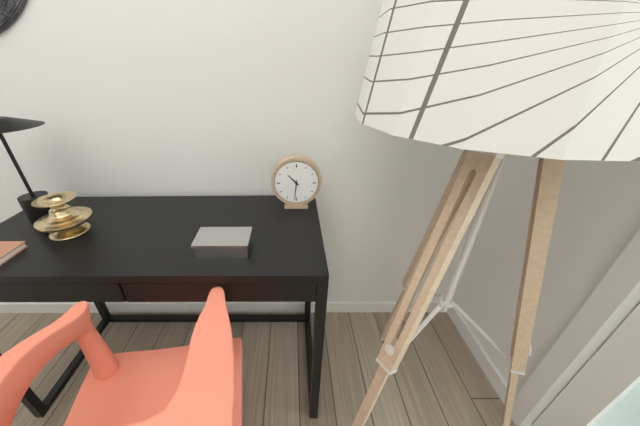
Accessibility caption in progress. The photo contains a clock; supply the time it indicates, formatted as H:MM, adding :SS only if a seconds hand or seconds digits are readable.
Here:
10:31
